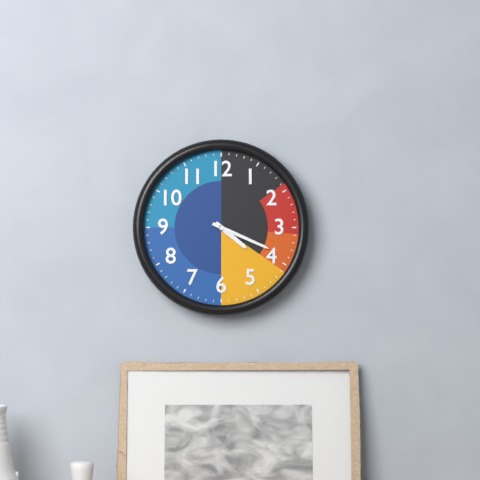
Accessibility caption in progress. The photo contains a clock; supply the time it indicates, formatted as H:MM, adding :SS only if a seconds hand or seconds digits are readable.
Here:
4:19
